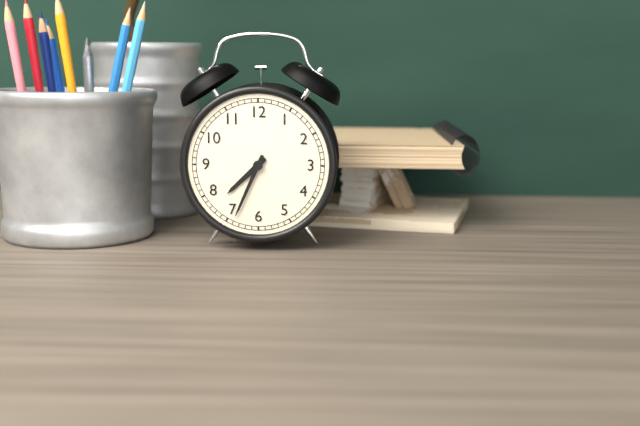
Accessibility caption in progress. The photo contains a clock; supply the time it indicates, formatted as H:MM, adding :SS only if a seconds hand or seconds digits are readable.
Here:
7:34
